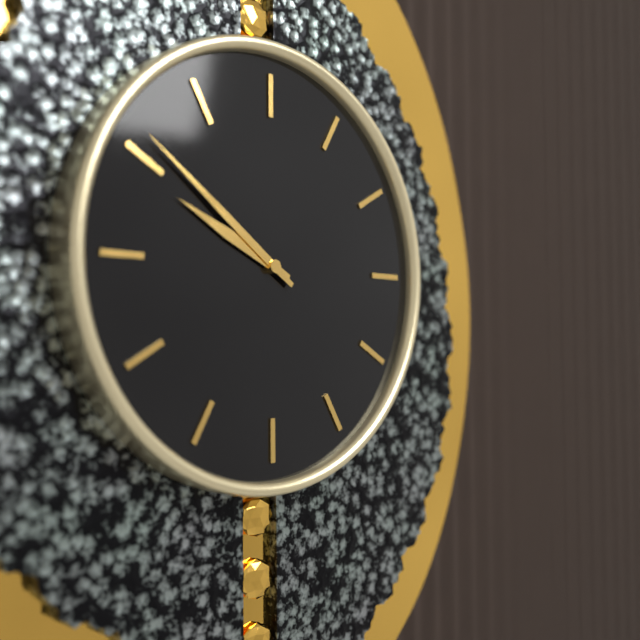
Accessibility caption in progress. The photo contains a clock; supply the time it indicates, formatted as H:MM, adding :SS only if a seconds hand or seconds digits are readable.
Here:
9:51
